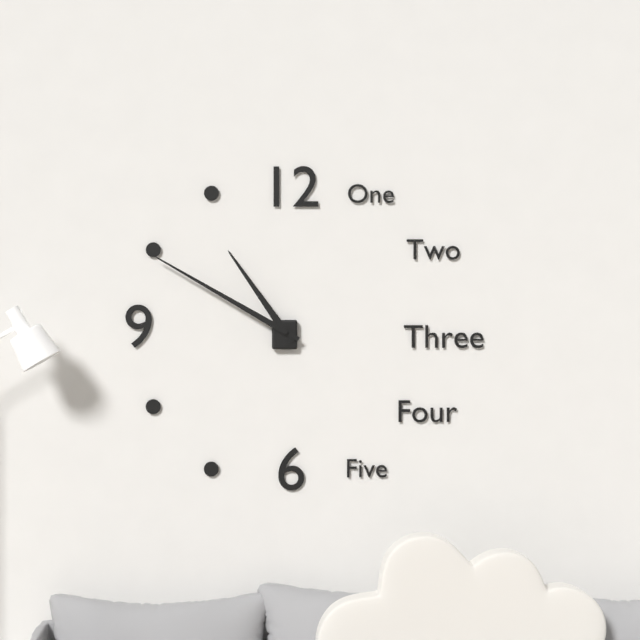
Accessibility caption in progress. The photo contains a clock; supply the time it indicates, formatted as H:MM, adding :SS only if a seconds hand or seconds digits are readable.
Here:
10:50
